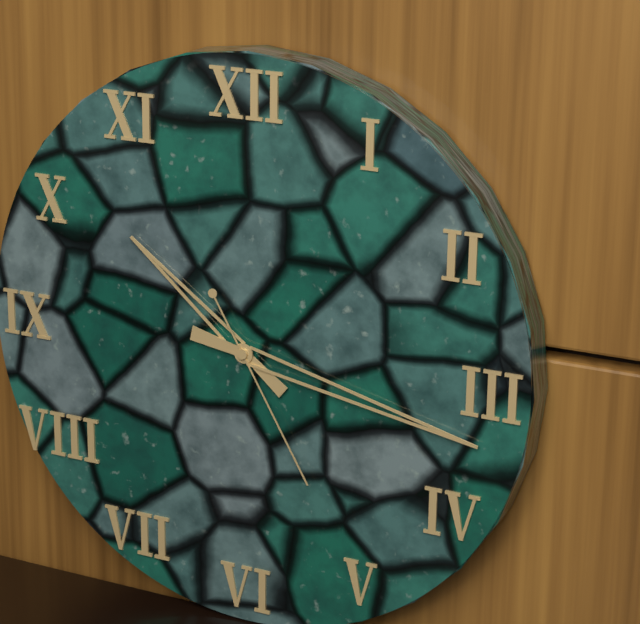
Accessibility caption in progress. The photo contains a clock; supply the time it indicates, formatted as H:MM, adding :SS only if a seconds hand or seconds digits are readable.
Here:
10:17:25
